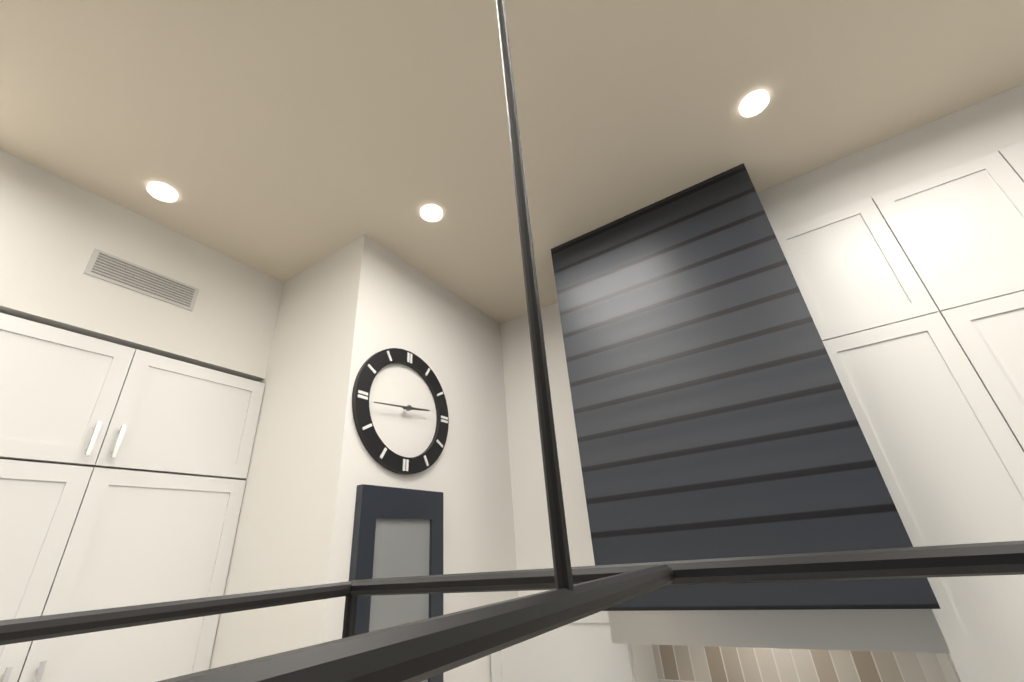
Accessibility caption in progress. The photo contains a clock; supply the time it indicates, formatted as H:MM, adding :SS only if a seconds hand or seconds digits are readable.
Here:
2:44
